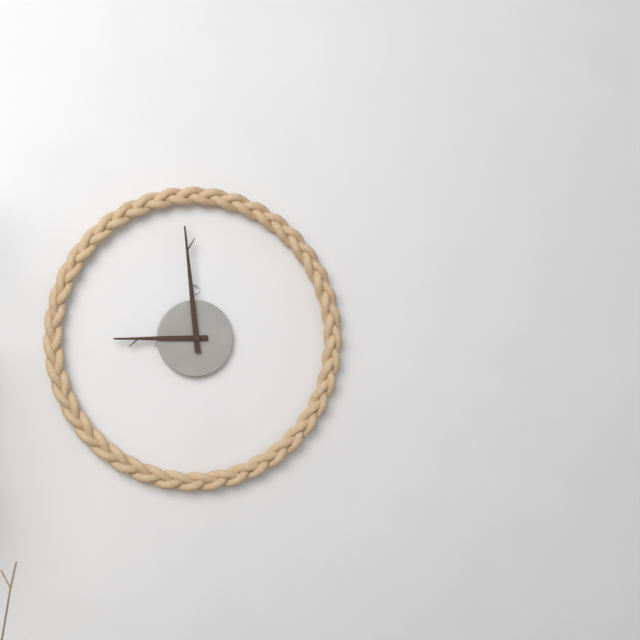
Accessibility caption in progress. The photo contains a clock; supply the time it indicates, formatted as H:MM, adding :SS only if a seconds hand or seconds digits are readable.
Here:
8:59
